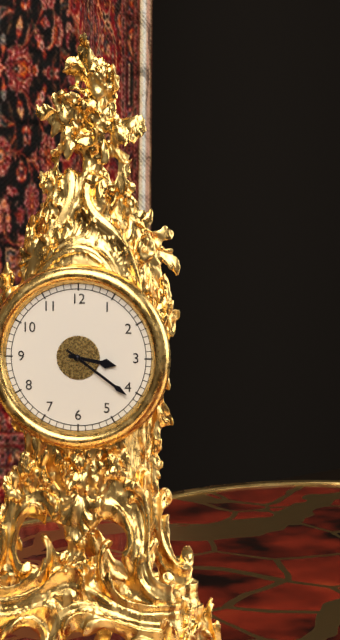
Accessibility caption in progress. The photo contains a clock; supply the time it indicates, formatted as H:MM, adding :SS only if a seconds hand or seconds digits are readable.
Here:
3:21
